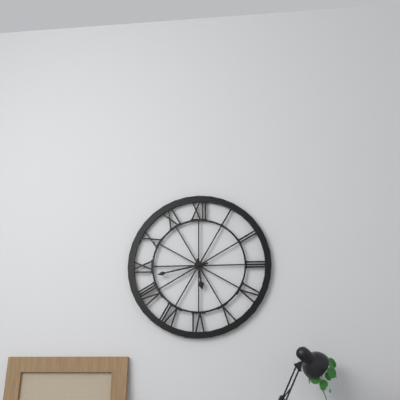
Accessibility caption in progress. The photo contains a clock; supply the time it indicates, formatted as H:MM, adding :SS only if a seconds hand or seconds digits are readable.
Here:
5:43
